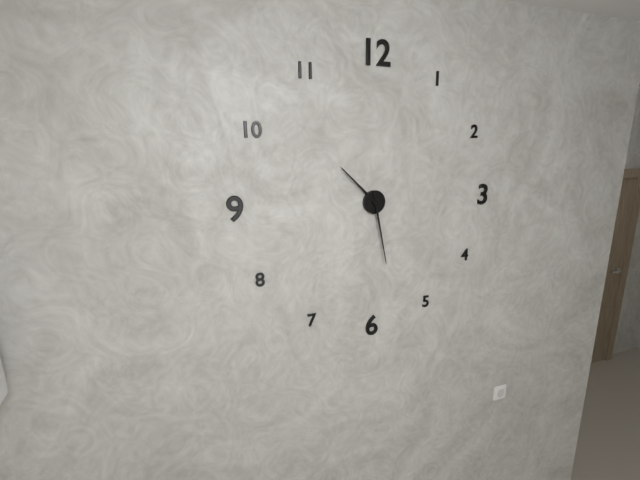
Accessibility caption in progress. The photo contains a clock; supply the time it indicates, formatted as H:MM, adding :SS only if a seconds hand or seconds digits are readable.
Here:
10:28
